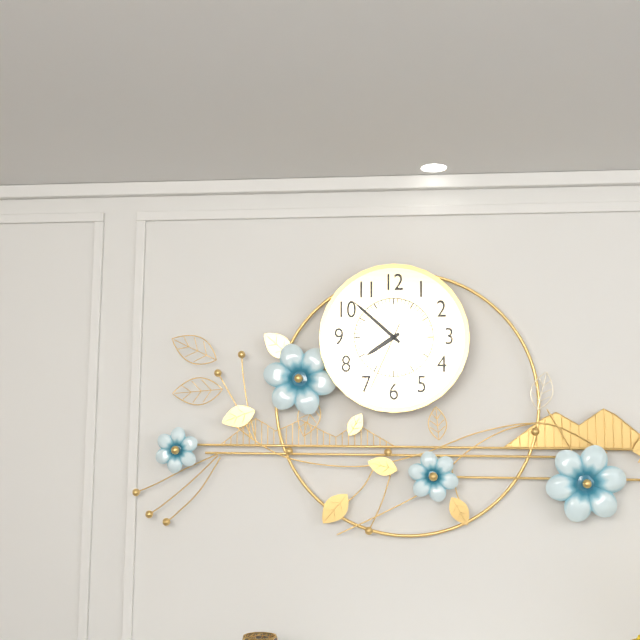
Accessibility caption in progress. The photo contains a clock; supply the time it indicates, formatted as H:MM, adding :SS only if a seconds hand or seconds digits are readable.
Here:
7:52:34
